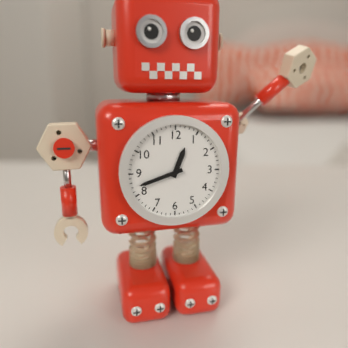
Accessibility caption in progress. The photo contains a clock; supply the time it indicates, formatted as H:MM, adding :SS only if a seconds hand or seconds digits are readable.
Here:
12:42
